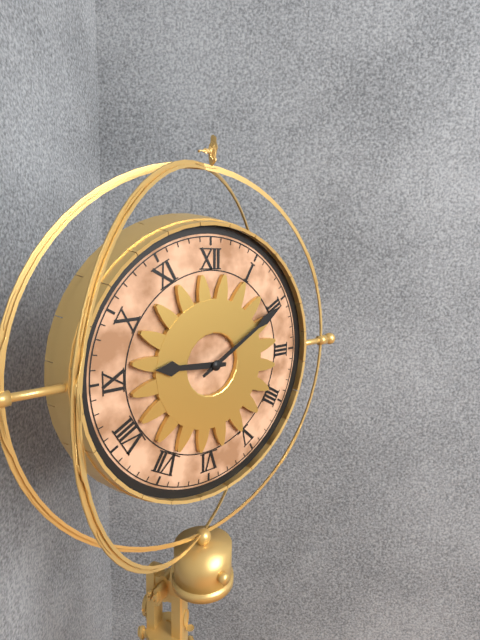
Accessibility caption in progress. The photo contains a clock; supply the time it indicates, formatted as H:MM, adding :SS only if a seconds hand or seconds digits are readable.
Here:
9:10
